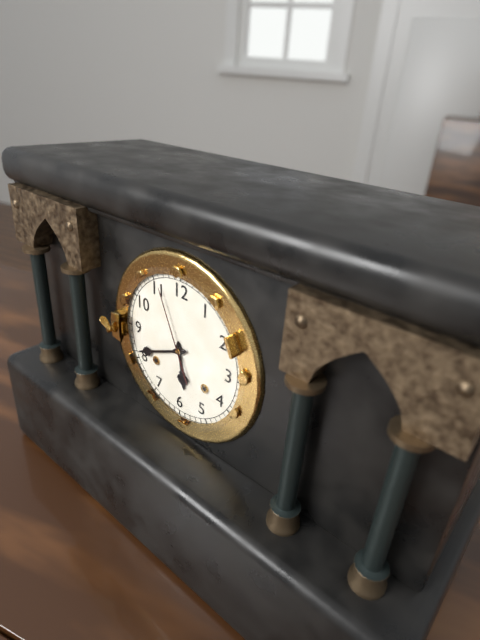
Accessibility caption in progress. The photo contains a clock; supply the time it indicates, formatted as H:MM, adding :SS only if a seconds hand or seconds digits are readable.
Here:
5:41:56
